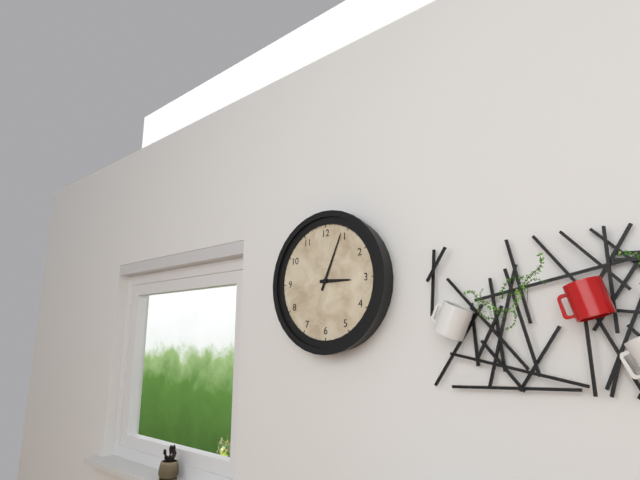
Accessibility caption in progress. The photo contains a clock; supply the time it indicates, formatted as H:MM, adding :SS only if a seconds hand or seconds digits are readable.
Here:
3:04
